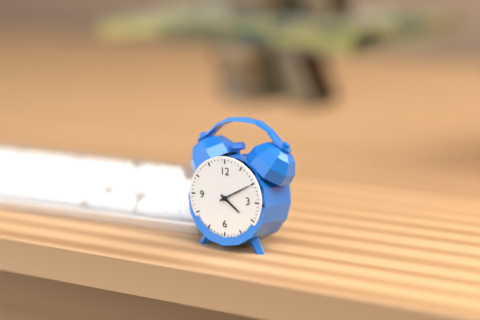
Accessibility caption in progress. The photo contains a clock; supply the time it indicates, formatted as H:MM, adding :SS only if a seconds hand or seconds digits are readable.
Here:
4:10
